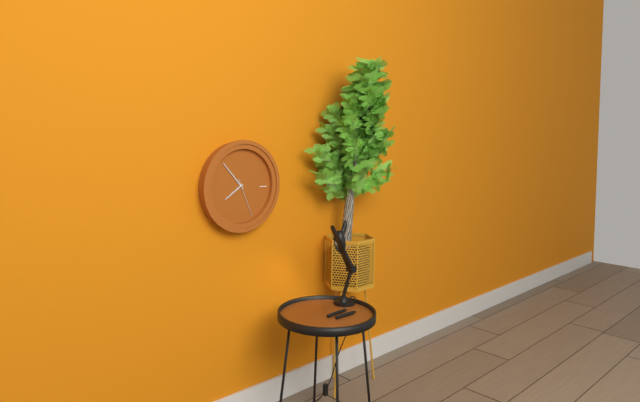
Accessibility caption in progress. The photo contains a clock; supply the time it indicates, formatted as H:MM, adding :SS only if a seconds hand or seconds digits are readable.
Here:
7:53
